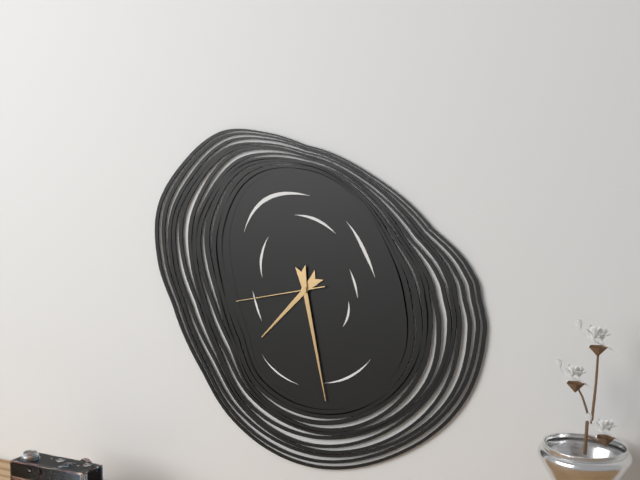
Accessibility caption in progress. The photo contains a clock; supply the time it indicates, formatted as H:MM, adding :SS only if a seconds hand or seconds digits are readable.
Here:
7:28:43
